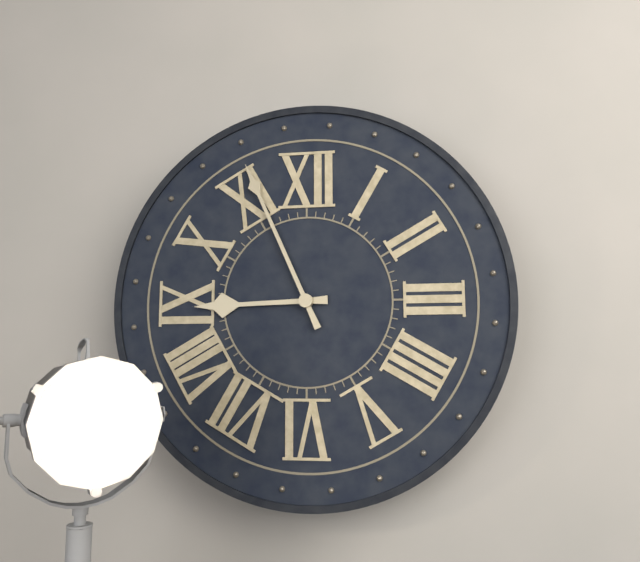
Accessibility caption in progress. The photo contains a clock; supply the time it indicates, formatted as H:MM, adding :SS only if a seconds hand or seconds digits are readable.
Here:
8:56
